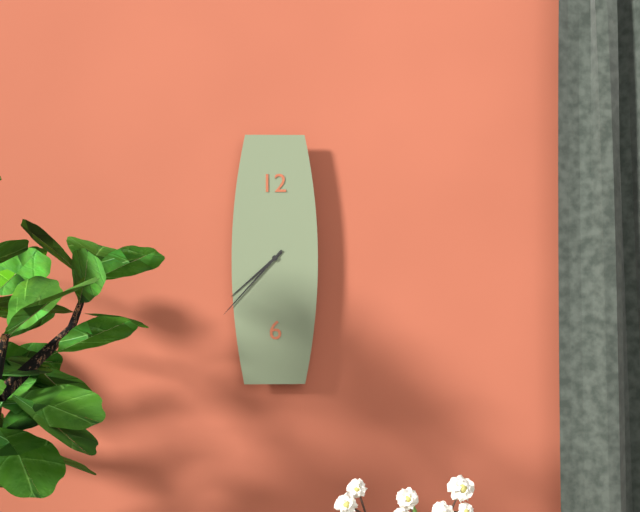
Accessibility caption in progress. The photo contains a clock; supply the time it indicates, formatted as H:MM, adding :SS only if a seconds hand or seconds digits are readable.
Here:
7:37
